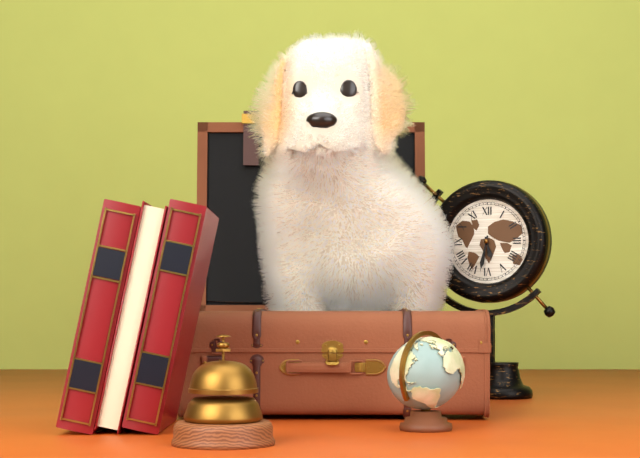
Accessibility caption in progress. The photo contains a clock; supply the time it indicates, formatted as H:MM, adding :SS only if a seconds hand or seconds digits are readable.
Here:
5:32
